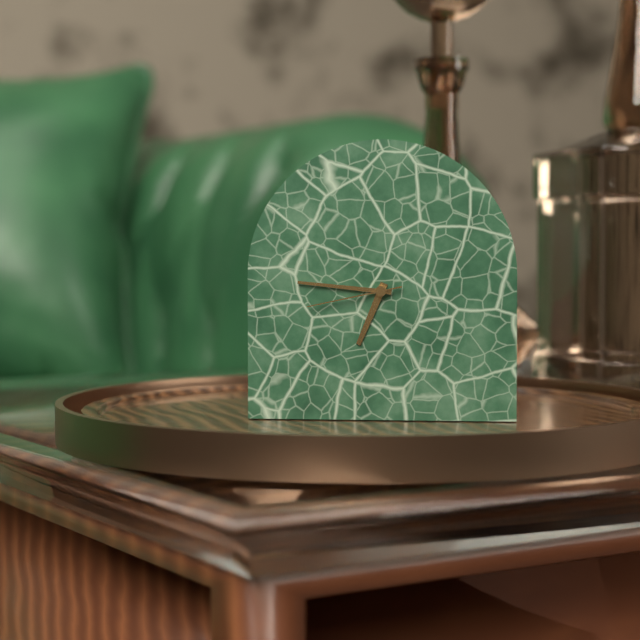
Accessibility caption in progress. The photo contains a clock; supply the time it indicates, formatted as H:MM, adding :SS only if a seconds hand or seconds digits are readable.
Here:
6:46:43
